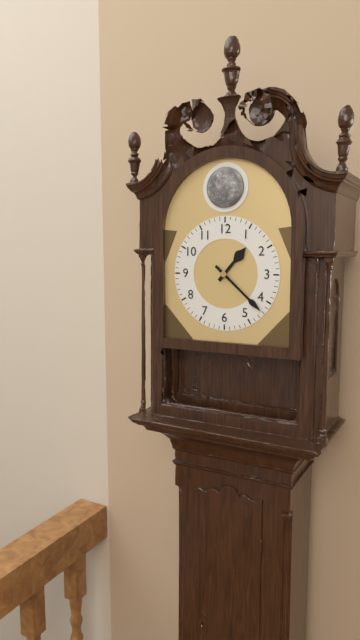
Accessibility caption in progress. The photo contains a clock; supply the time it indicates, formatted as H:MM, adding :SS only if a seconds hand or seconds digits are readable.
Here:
1:22
